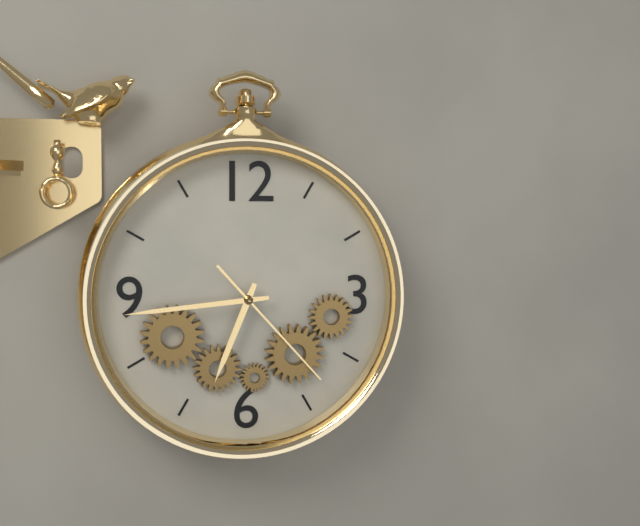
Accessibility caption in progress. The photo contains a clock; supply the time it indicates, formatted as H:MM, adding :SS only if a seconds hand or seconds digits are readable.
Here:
6:44:23
